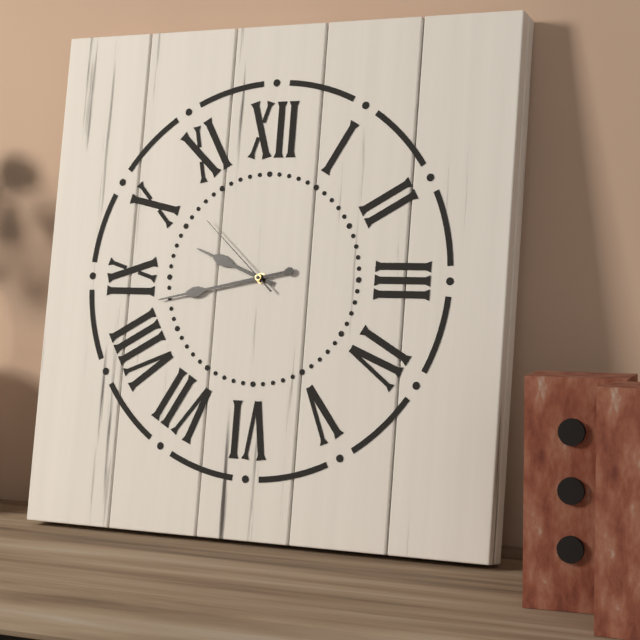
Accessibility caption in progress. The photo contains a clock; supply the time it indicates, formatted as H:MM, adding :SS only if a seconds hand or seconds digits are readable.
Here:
9:43:52
